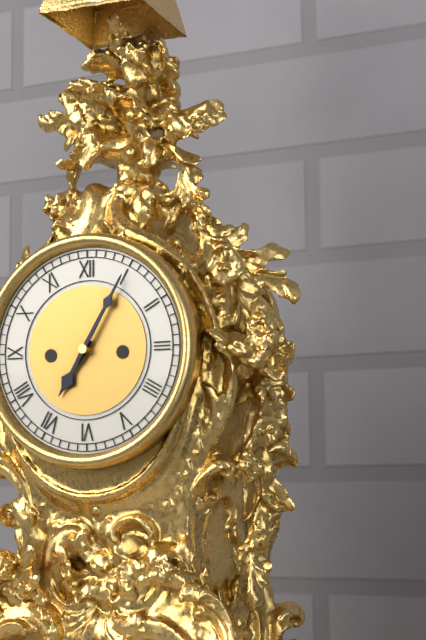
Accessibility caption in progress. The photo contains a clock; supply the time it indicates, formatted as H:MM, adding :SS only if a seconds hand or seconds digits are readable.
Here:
7:05
